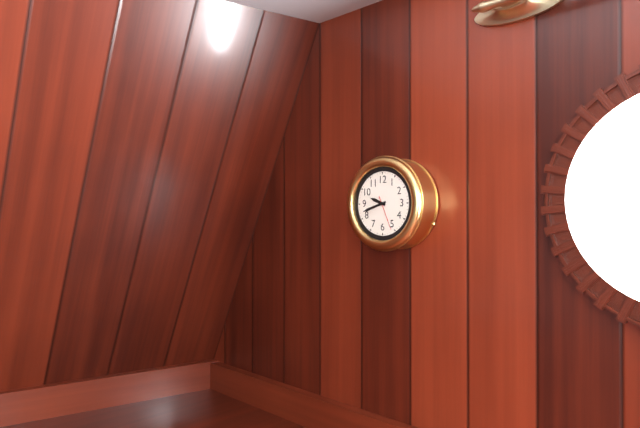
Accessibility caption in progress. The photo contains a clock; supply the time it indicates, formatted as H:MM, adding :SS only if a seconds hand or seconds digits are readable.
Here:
9:42
